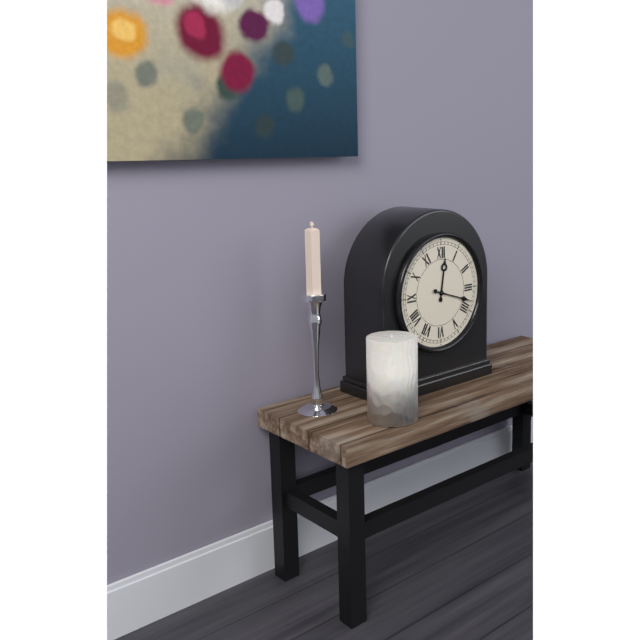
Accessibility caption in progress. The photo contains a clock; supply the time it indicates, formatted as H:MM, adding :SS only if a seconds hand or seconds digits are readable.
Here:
12:18
